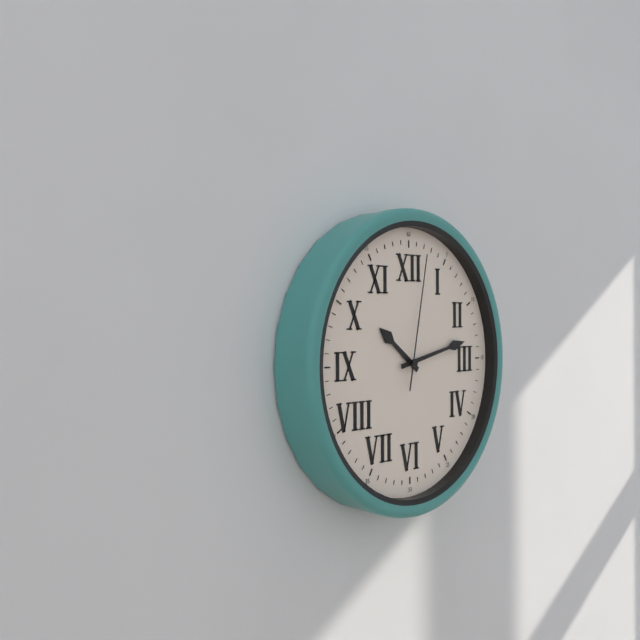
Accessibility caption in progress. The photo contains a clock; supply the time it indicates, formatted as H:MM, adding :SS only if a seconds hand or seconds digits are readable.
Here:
10:13:02
